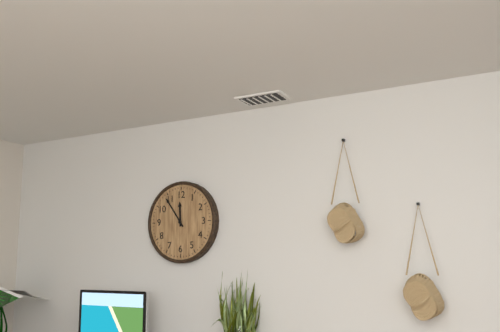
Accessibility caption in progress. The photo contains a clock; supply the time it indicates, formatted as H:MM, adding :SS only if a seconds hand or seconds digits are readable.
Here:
11:54
